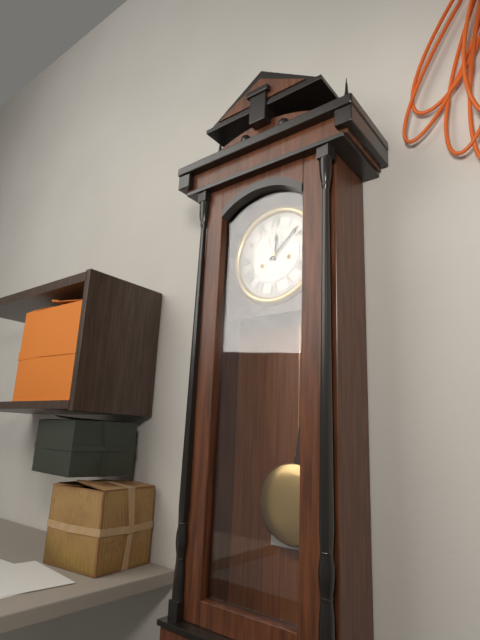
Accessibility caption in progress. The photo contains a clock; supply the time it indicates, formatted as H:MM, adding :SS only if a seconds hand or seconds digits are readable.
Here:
12:08
